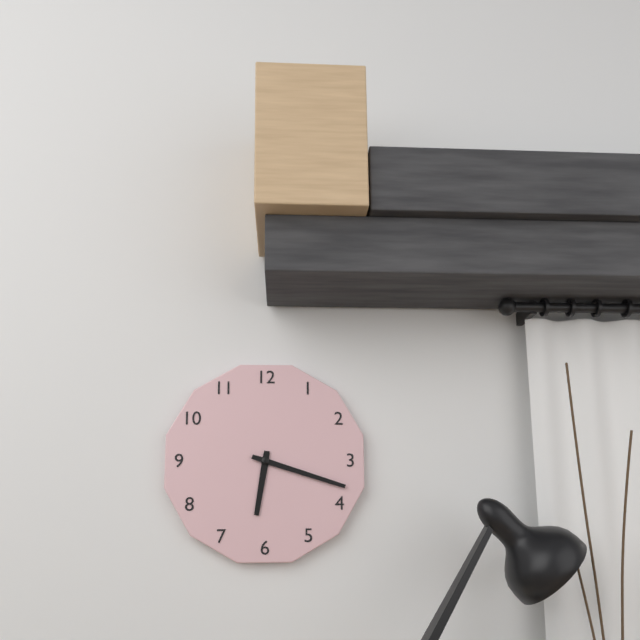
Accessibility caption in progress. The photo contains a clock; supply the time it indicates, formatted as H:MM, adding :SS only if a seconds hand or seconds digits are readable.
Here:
6:18
